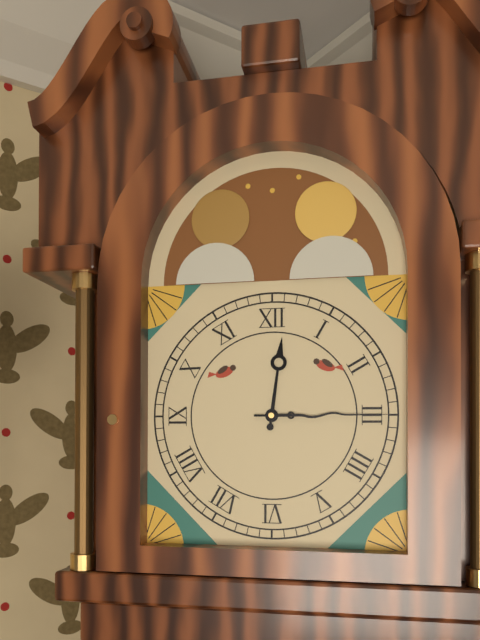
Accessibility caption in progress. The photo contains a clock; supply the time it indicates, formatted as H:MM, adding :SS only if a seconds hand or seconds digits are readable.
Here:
12:15
